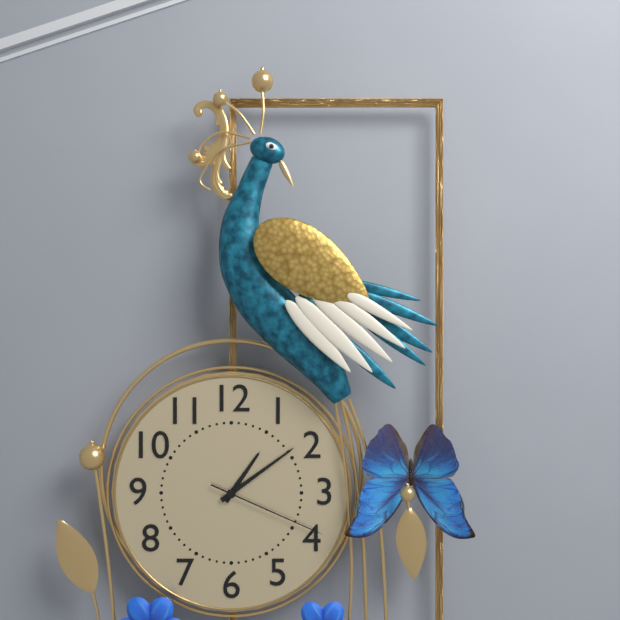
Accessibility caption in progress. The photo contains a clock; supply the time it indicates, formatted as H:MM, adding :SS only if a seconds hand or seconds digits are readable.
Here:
1:09:19
